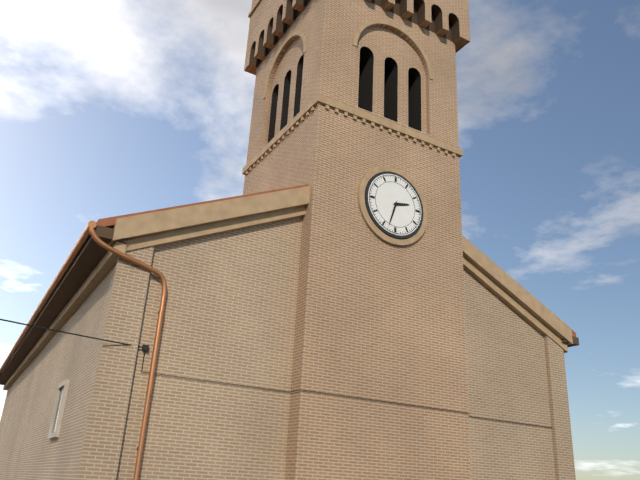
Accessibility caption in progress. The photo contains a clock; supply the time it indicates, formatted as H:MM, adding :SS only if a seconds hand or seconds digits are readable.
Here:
2:33
